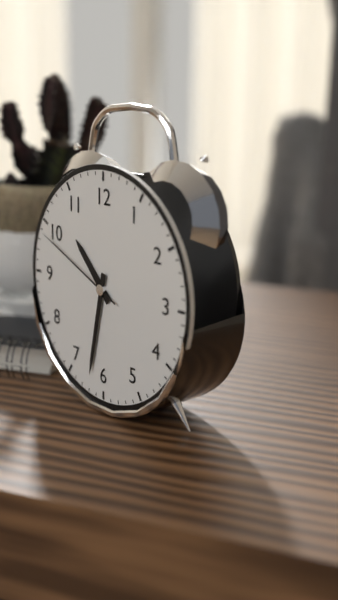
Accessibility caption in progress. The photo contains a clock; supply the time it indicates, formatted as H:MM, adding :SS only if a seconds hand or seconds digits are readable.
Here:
10:32:49
